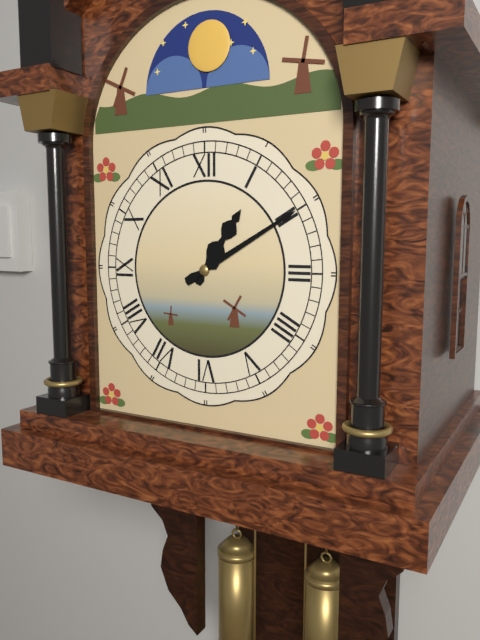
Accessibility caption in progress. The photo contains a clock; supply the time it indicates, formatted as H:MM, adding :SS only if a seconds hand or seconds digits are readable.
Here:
1:10
